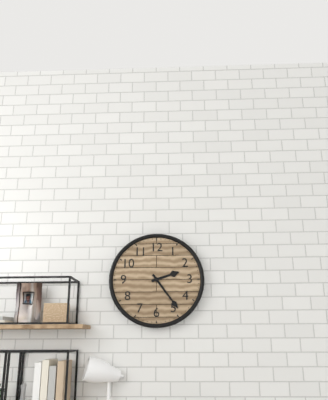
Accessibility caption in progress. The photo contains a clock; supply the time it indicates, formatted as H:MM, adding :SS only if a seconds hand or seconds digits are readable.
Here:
2:24
